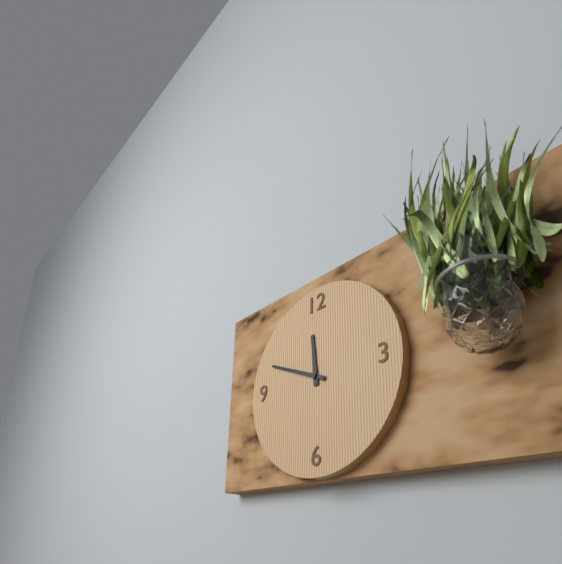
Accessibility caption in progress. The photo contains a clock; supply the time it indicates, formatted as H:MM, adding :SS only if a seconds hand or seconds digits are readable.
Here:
11:49
